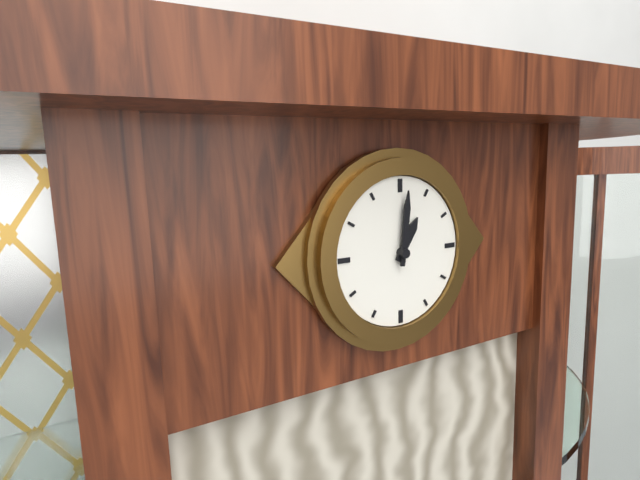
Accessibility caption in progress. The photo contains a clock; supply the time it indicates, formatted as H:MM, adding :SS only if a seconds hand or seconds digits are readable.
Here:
1:01
